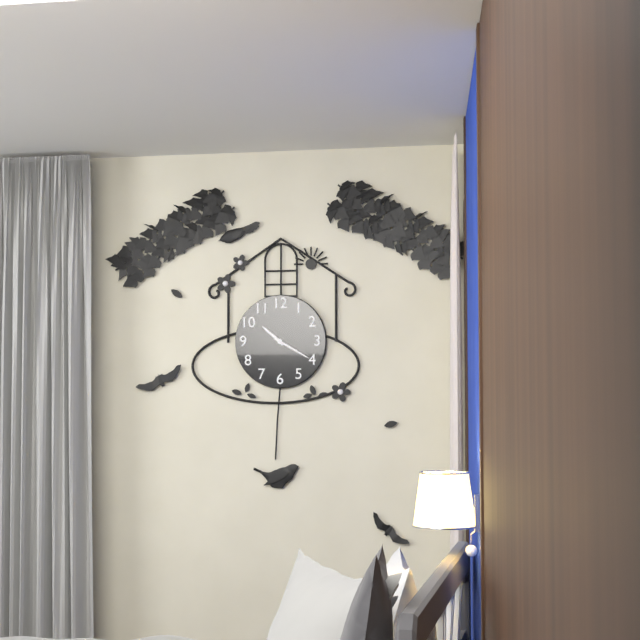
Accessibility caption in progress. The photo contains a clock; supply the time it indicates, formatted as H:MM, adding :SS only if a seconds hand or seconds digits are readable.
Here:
10:20
